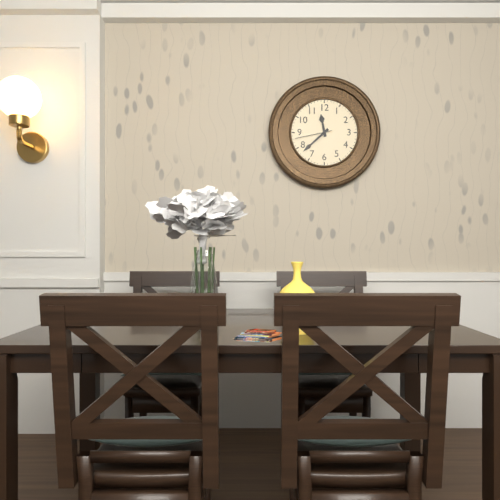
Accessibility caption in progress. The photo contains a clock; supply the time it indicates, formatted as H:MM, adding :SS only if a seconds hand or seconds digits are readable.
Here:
11:38
